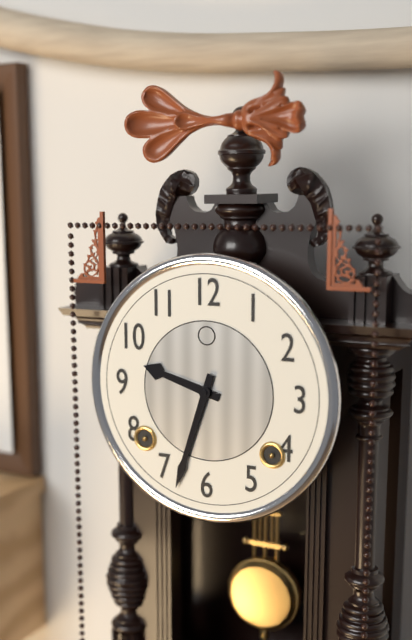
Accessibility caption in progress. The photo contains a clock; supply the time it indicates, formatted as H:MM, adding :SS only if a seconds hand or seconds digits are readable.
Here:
9:33
